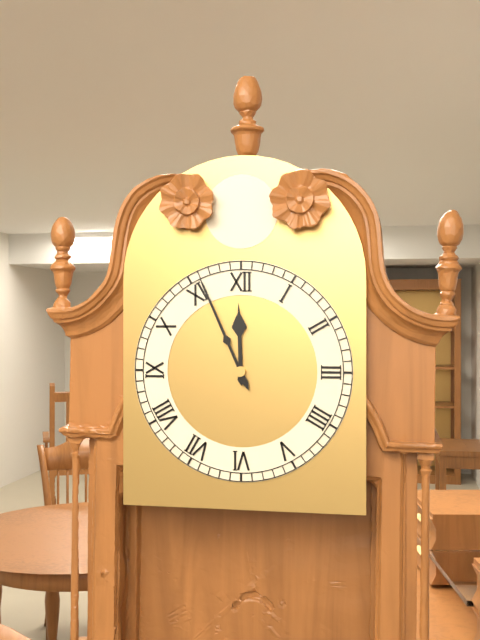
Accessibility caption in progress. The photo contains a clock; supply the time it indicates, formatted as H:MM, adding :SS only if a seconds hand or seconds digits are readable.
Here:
11:56
